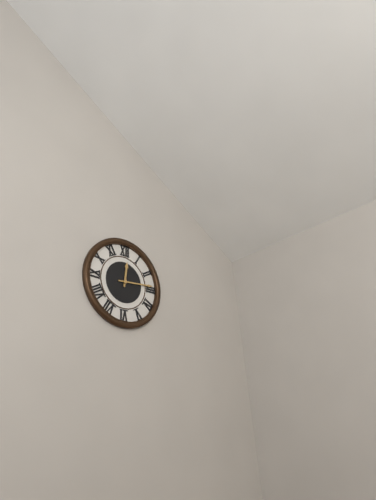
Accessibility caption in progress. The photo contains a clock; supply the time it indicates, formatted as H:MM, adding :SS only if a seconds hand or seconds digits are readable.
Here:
12:14
